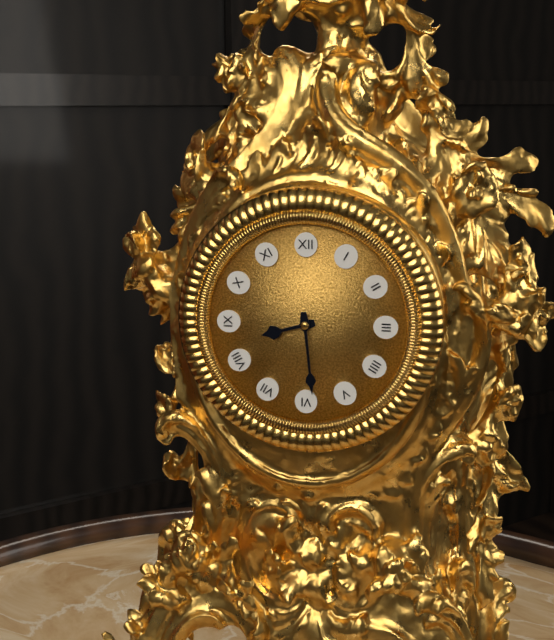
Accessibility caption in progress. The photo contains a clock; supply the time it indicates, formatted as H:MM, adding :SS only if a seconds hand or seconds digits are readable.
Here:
8:29
